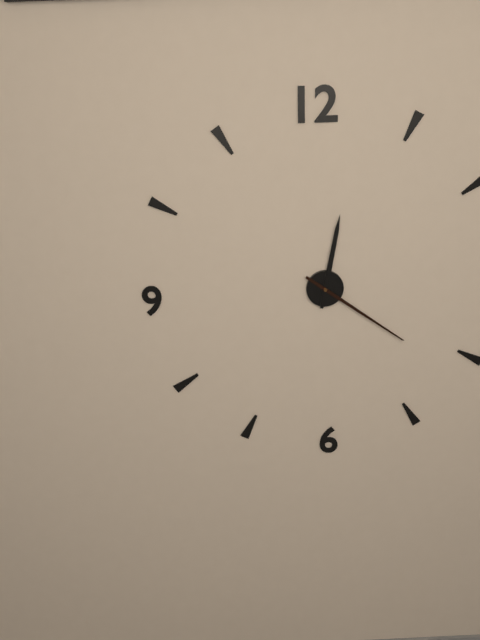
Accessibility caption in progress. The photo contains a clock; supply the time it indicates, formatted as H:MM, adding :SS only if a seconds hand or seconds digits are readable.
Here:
12:21
